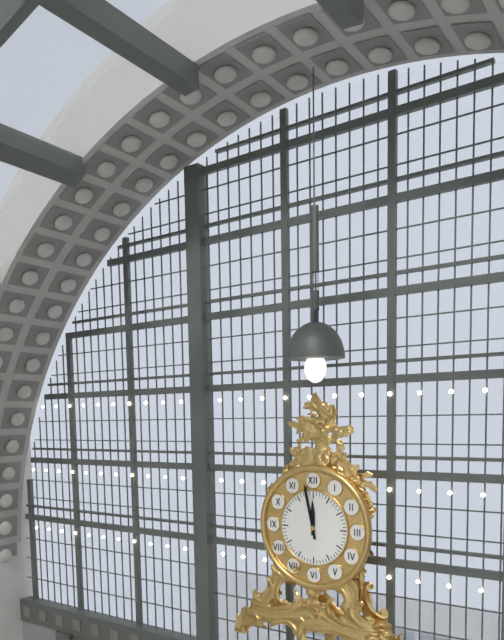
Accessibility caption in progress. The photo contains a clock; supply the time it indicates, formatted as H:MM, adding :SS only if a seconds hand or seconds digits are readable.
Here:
11:58
